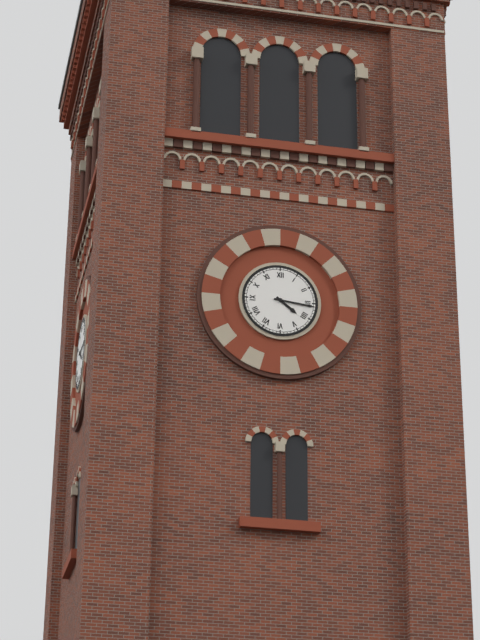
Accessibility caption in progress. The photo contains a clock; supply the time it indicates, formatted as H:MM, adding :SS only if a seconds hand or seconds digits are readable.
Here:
4:16
